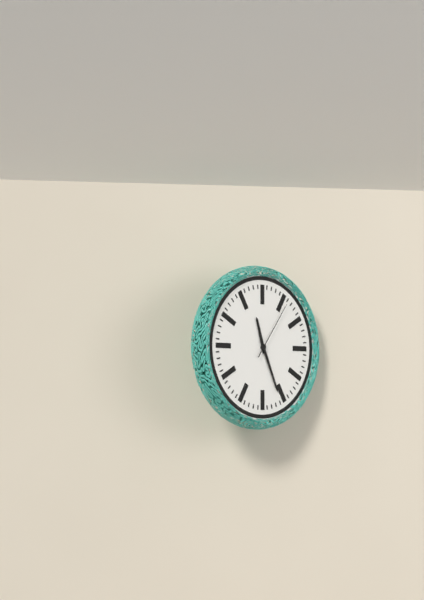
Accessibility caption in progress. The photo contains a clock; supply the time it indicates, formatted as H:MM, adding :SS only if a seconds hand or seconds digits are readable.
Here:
11:26:06
